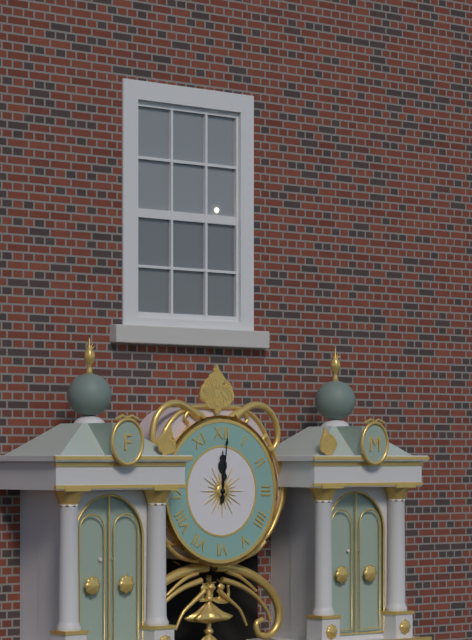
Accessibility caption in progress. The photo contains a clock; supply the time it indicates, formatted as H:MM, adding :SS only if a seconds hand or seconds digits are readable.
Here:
12:01
